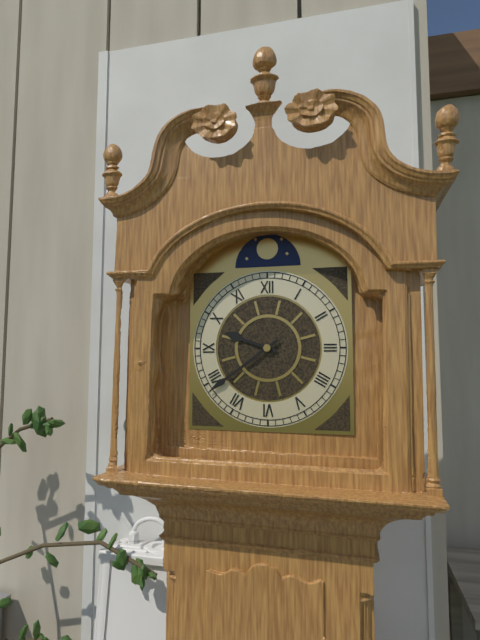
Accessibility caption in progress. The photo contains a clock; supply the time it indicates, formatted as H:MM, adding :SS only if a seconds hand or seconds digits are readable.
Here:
9:39
